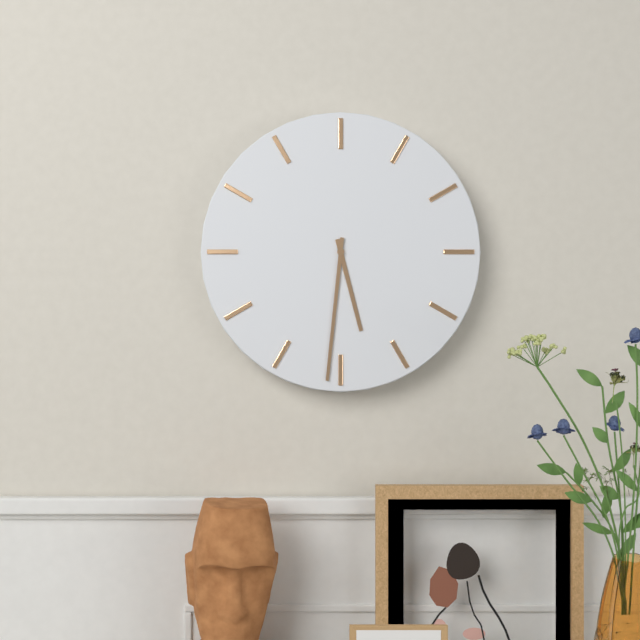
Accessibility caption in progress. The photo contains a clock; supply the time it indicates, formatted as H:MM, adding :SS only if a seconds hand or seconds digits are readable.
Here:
5:31
